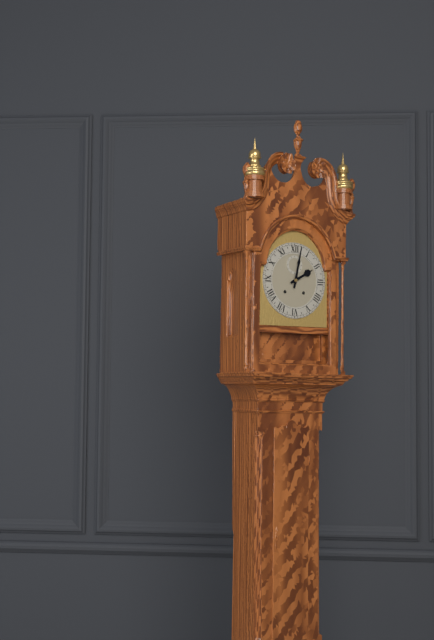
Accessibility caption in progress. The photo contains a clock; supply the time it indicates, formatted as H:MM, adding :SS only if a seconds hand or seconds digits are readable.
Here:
2:02
